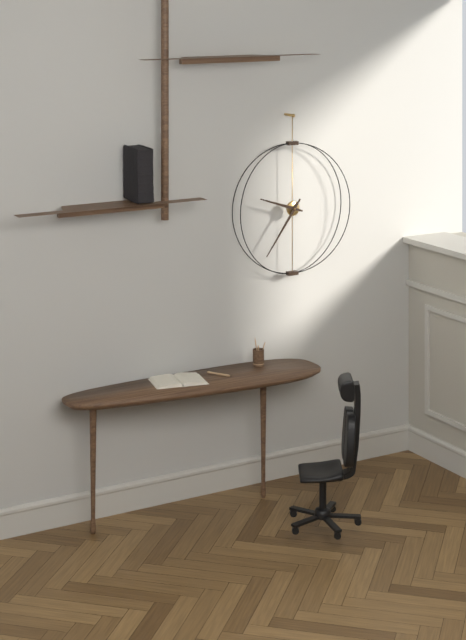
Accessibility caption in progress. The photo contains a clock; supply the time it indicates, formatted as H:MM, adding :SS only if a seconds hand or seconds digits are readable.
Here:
9:36
